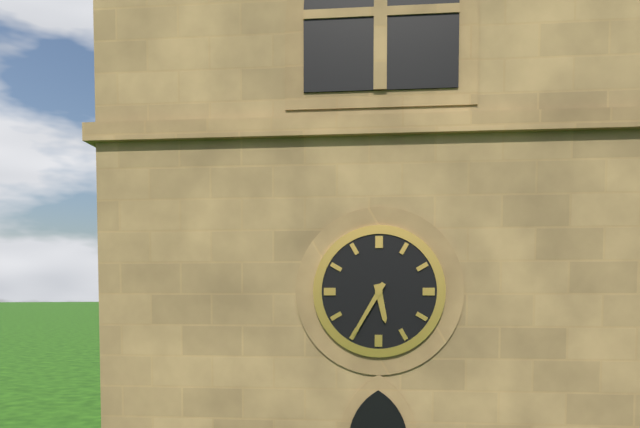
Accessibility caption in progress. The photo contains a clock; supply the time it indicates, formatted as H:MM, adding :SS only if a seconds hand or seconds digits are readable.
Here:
5:35
